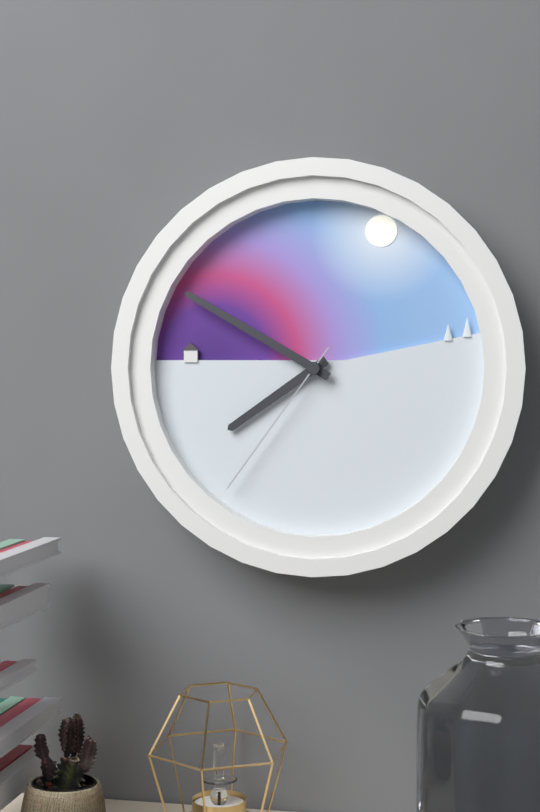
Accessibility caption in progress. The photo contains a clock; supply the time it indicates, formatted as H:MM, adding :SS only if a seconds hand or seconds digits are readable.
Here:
7:50:36
